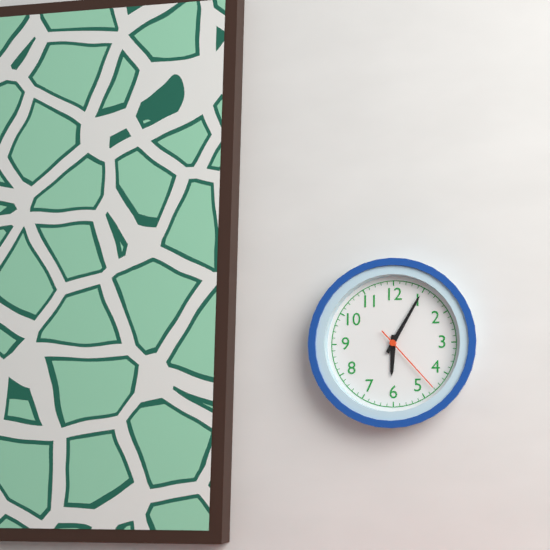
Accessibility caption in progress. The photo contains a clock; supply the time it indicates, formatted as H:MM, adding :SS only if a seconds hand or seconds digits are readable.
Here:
6:05:23
